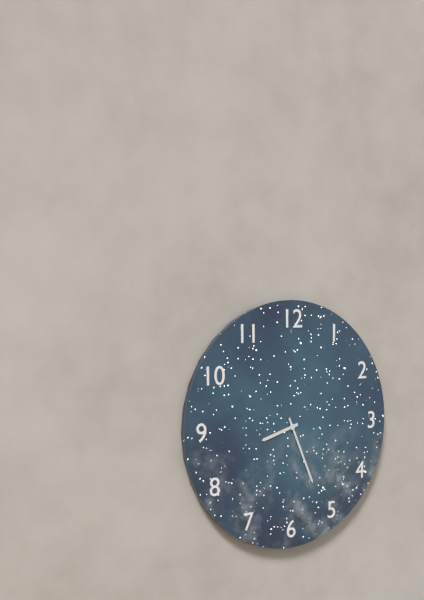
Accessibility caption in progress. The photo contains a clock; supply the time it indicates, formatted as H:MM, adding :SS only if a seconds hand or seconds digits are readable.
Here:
8:26
